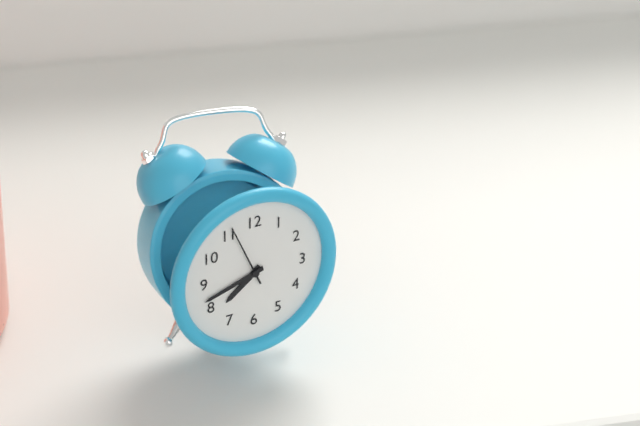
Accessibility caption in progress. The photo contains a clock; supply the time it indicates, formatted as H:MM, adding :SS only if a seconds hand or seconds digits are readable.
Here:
7:42:56
